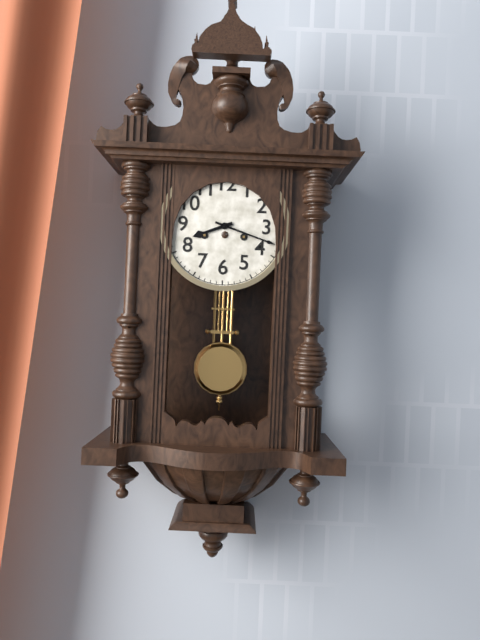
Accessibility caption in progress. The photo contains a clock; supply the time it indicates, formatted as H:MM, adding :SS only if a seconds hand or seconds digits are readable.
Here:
8:18
